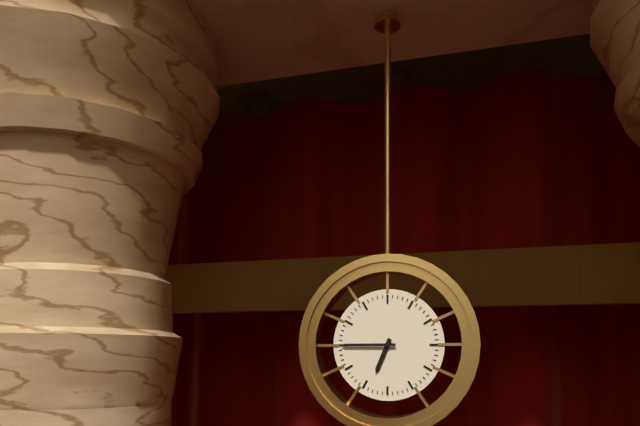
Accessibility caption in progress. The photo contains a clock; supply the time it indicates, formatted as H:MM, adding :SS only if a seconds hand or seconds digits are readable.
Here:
6:45
